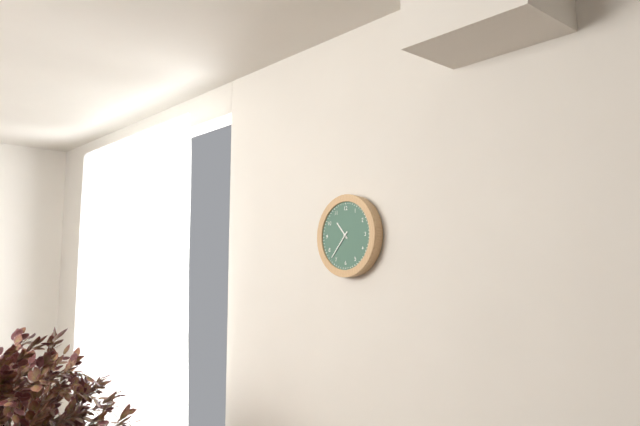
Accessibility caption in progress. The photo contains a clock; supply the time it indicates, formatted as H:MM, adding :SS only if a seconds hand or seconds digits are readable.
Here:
10:37
